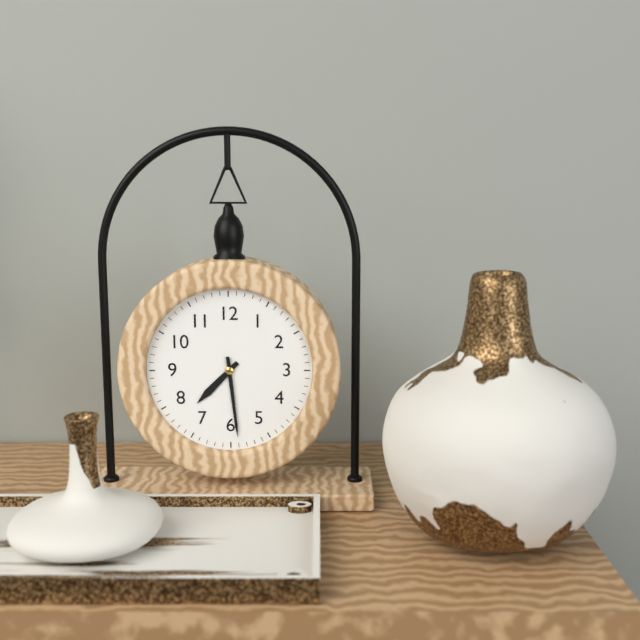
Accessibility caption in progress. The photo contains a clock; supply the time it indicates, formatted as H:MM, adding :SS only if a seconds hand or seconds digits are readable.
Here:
7:29
